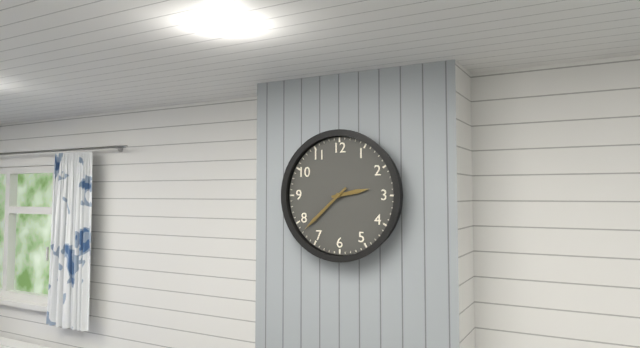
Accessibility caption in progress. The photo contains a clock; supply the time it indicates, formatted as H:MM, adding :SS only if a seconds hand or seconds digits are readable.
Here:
2:38
